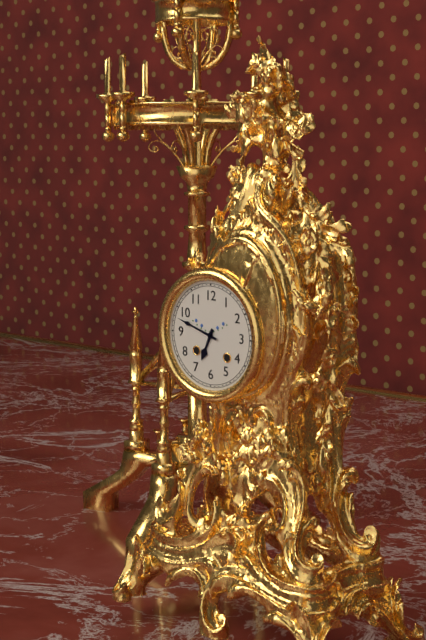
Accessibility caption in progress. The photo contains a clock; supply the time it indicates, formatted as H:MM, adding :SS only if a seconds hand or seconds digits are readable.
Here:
6:48
